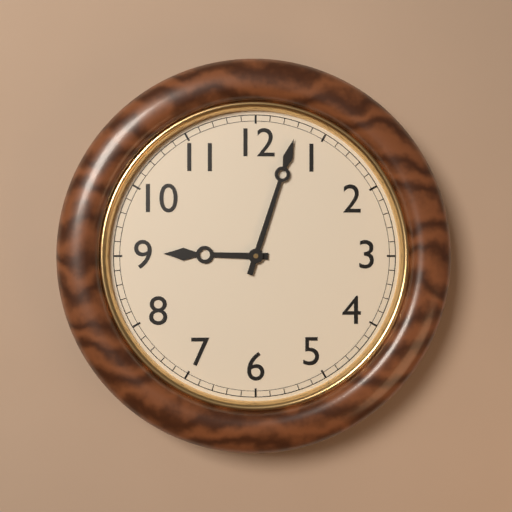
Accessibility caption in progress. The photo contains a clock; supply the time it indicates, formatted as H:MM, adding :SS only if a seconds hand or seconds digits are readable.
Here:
9:03
